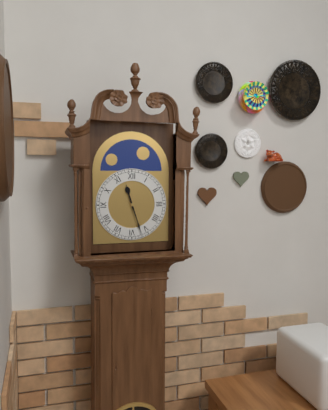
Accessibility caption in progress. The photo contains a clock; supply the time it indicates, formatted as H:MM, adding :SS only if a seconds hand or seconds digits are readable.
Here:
11:27
